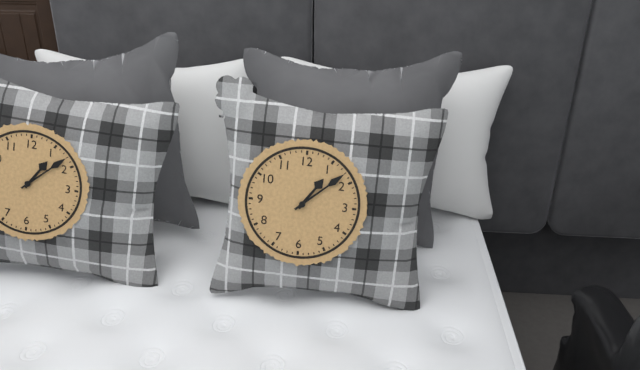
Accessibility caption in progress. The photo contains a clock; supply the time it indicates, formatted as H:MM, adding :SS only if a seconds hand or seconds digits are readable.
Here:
1:08
